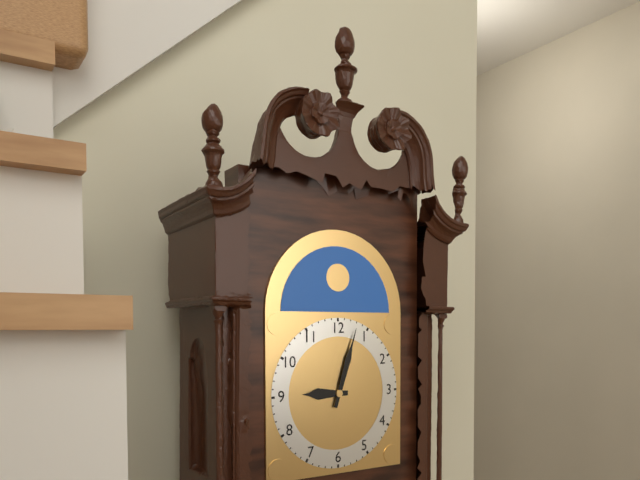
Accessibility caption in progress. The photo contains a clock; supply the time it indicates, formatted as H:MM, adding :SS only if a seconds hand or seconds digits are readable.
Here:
9:03
